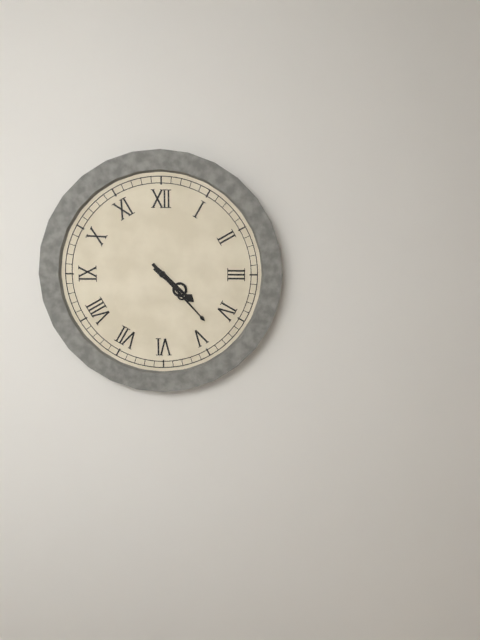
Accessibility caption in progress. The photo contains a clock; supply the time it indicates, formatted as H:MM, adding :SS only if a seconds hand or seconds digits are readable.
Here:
4:23
